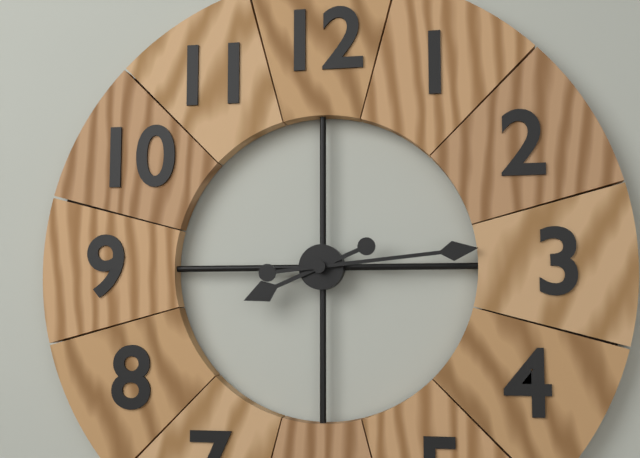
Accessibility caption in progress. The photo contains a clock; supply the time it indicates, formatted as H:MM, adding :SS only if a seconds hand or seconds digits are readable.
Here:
8:14
